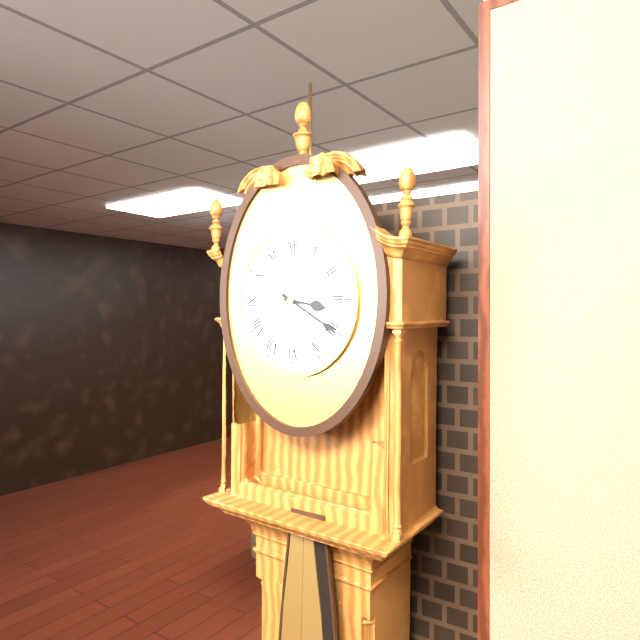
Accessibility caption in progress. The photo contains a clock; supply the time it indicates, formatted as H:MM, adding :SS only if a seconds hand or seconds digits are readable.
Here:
3:20
